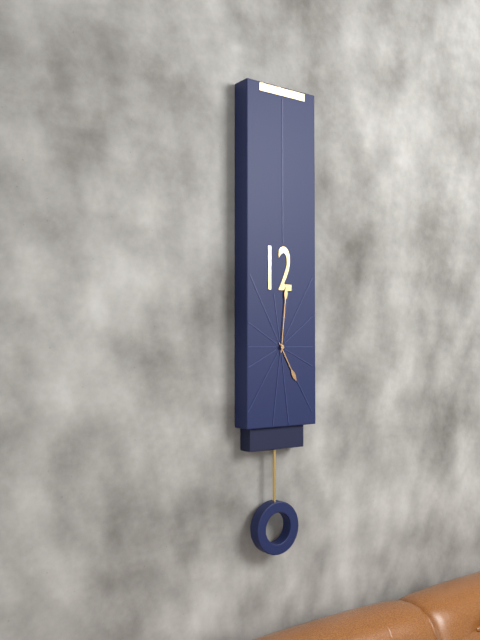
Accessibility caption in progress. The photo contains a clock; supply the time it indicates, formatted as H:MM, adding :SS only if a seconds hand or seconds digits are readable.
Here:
5:01
